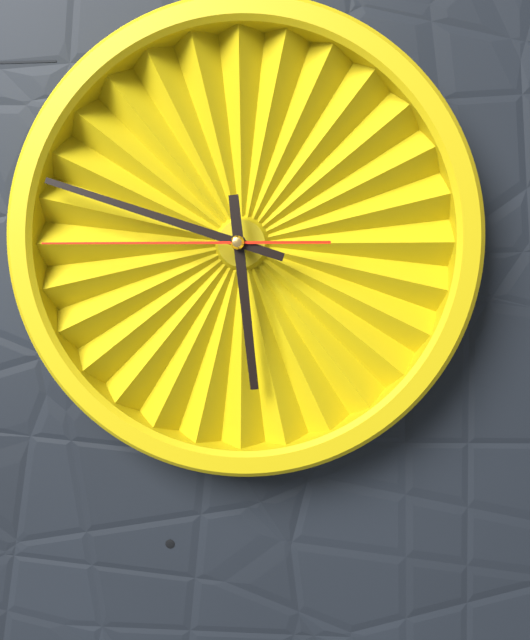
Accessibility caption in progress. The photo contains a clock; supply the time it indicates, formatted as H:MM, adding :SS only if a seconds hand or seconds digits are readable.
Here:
5:48:45
